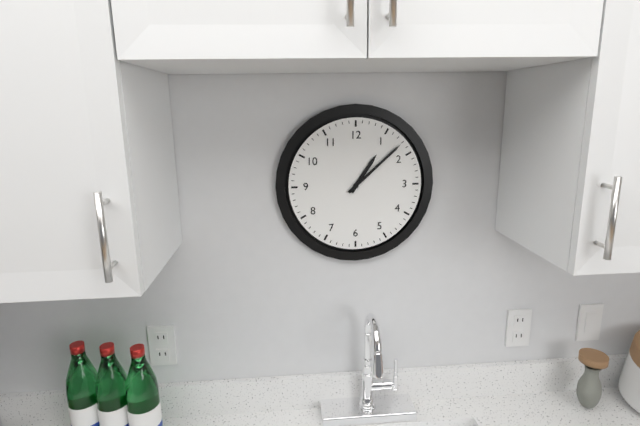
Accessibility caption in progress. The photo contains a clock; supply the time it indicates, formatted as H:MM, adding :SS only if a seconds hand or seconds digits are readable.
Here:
1:08
